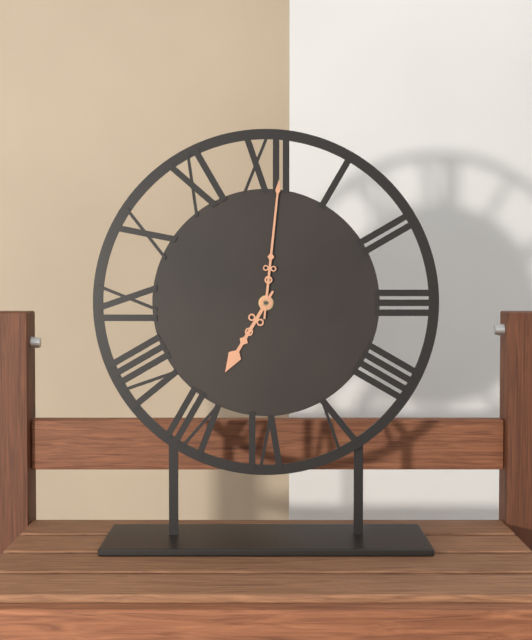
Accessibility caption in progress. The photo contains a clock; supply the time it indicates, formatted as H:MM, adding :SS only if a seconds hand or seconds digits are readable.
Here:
7:01
